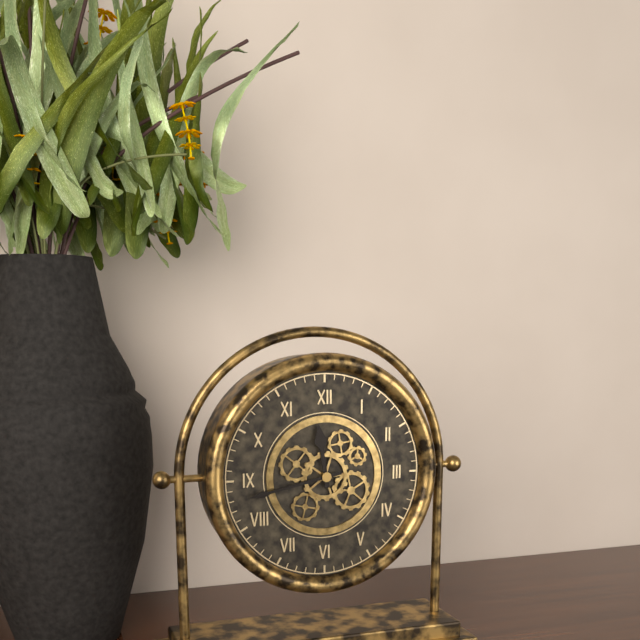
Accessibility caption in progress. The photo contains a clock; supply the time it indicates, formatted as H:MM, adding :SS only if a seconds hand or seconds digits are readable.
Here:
11:43
